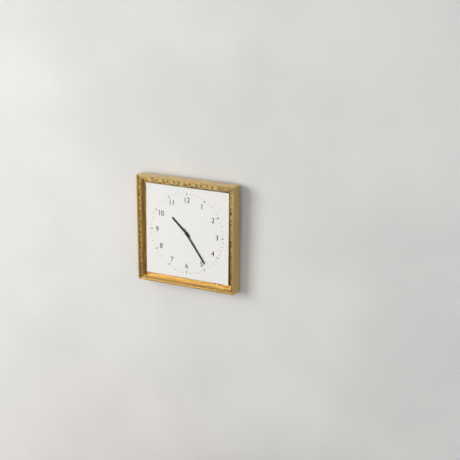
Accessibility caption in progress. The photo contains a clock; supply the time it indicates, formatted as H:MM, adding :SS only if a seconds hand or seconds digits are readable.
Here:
10:24
